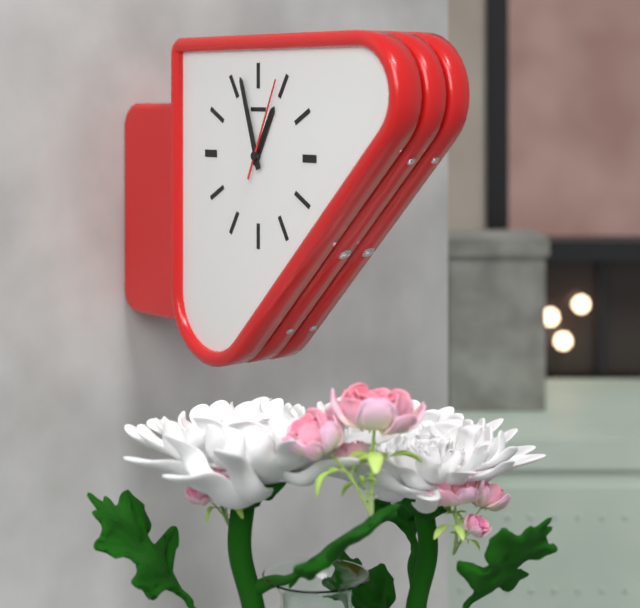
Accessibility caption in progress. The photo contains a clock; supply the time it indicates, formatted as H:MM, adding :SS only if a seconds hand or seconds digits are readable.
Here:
12:57:04
